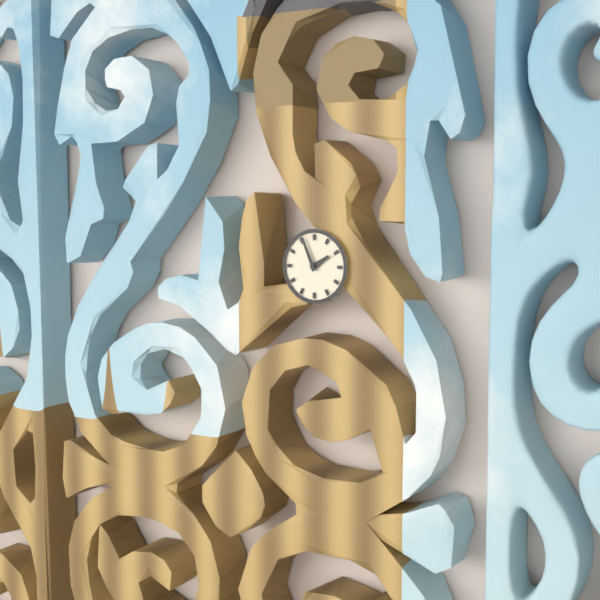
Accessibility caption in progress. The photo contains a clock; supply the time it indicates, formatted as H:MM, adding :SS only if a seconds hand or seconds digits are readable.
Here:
1:56
